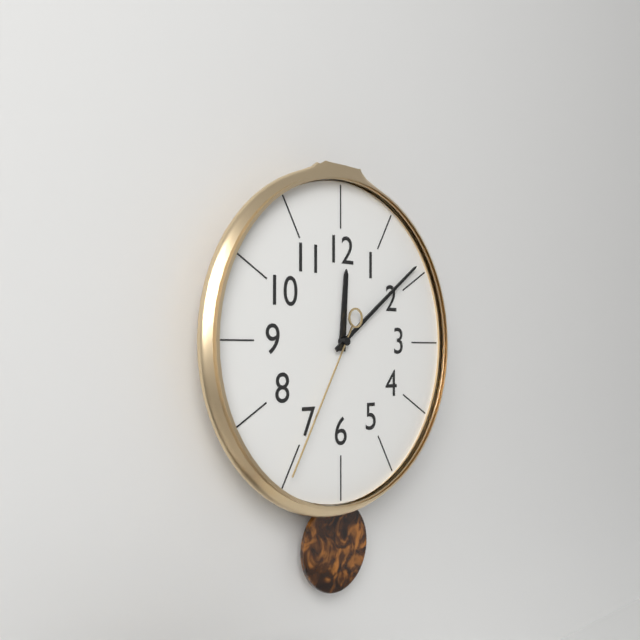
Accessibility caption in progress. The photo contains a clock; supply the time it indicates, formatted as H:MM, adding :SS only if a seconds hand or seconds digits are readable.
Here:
12:09:35
